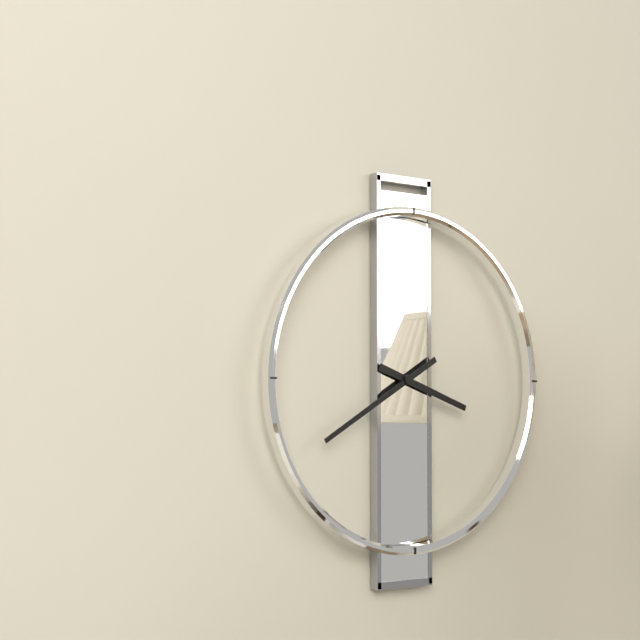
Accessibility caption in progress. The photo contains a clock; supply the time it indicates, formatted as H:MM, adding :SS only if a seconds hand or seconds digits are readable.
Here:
3:40
